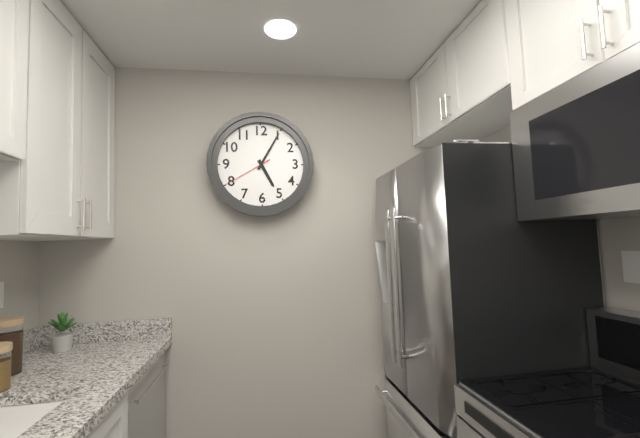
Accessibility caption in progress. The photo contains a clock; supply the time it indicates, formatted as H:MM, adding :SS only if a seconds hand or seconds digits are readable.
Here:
5:05:40
